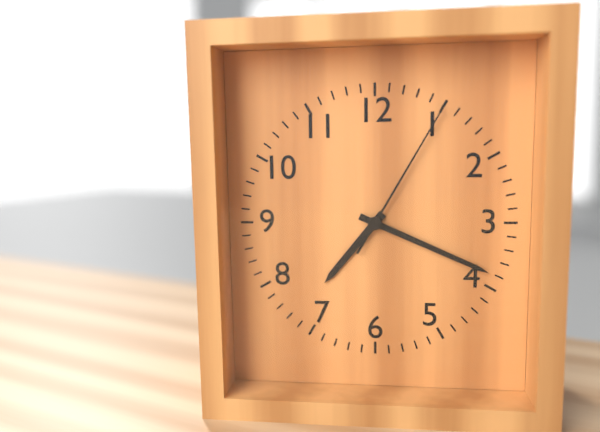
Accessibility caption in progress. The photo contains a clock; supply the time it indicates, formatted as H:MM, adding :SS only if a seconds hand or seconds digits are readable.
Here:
7:19:05
